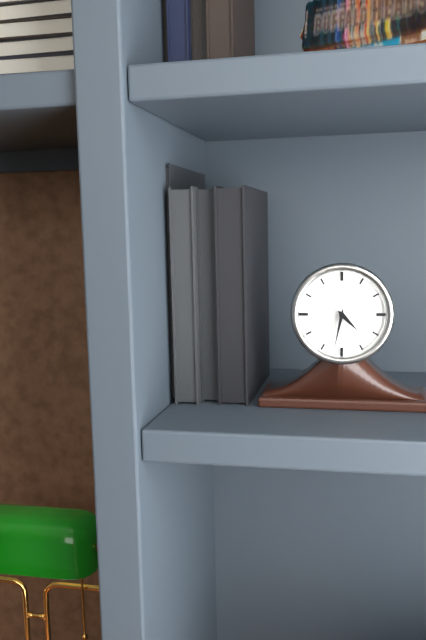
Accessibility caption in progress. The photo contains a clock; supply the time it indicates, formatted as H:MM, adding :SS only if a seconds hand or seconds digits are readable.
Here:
4:32
